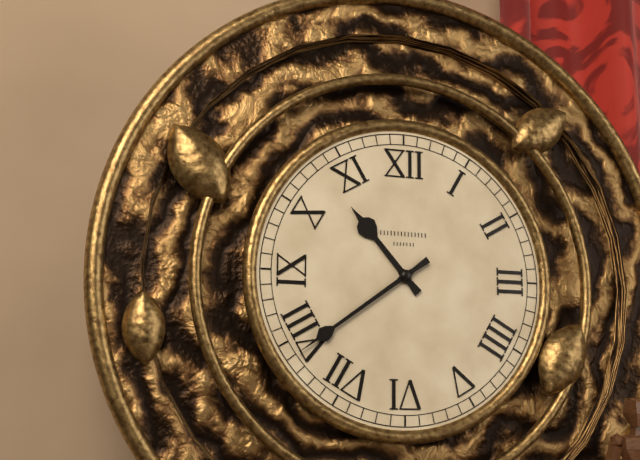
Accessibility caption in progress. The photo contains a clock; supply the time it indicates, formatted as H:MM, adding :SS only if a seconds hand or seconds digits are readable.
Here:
10:39
